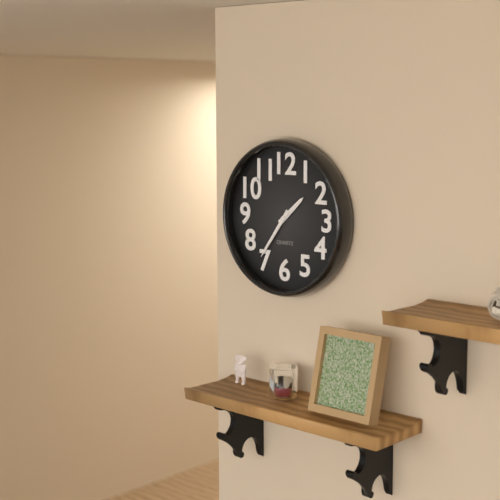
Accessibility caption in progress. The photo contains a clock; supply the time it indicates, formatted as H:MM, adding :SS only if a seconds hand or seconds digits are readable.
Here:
1:36
